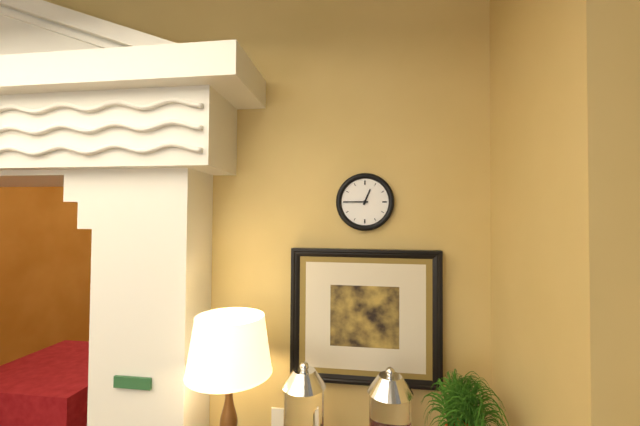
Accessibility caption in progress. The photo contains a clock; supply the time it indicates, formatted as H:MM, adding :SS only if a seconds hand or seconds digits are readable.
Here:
12:45
